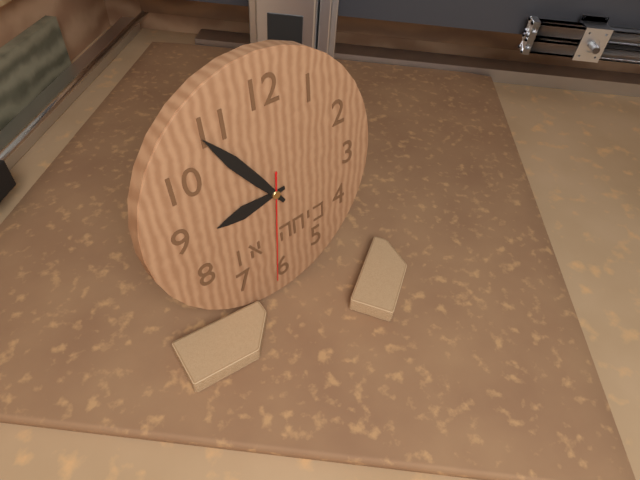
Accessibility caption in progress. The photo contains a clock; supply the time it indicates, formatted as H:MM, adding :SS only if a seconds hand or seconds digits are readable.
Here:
8:54:31
